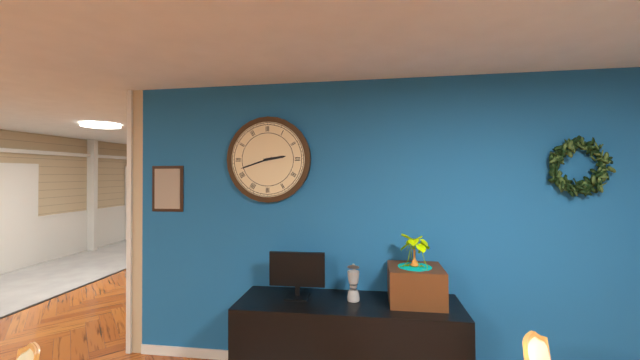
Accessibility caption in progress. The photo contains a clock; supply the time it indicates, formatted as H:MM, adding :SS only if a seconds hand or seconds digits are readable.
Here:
2:42
